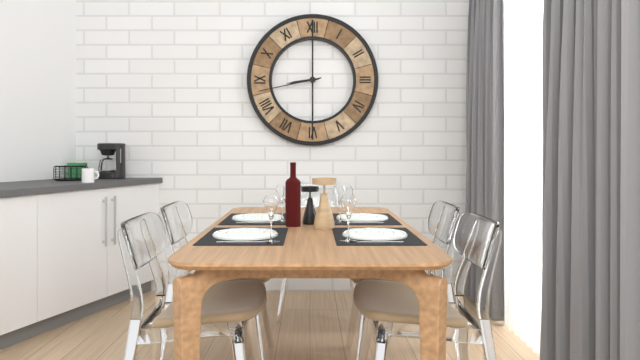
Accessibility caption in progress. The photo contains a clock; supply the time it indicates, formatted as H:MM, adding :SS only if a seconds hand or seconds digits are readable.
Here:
8:43
